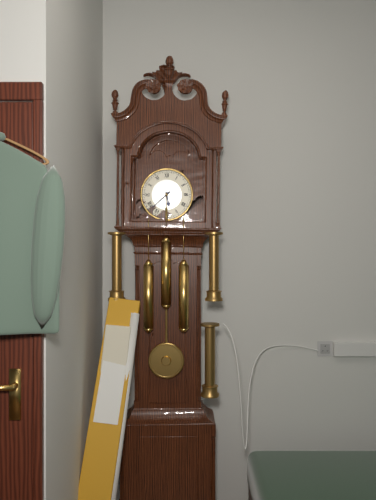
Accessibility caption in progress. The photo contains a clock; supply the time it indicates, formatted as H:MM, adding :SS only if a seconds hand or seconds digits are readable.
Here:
5:38
